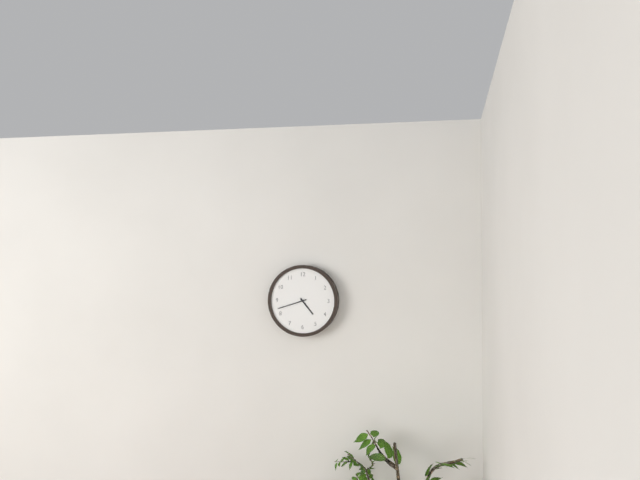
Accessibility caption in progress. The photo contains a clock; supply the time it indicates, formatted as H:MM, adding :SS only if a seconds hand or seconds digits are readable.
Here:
4:42
